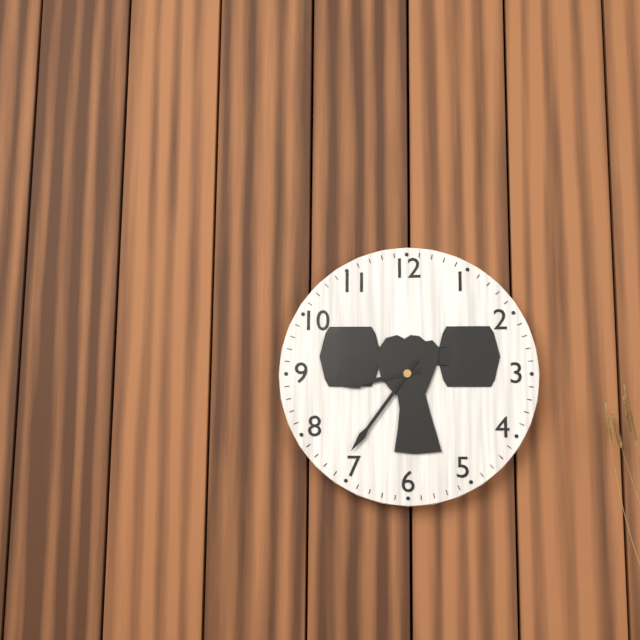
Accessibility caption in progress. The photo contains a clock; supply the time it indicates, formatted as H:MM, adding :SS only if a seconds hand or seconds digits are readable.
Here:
8:36
